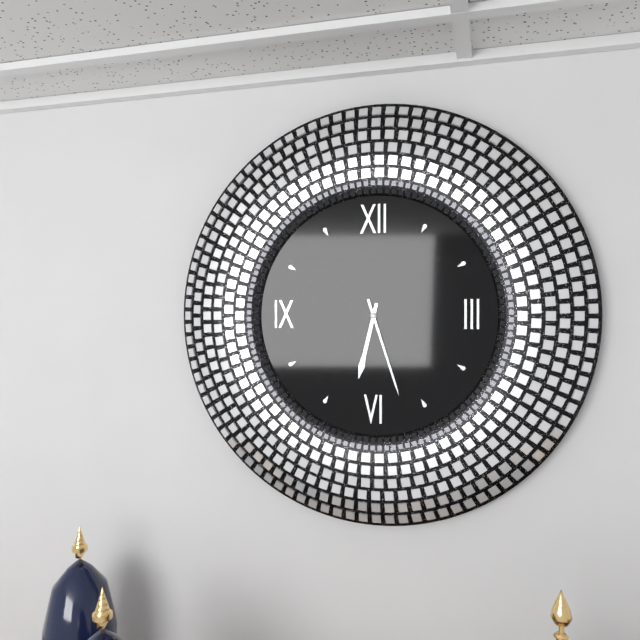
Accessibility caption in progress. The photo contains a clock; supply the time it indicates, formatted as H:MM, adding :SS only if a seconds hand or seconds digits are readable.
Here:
6:27
